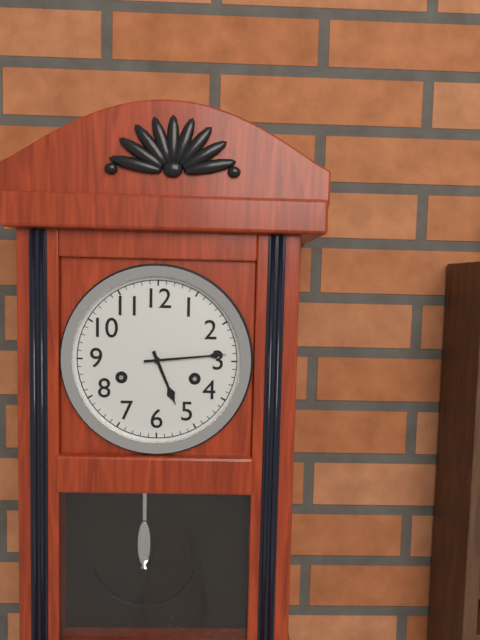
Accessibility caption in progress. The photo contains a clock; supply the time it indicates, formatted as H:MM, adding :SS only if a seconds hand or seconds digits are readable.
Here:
5:14
